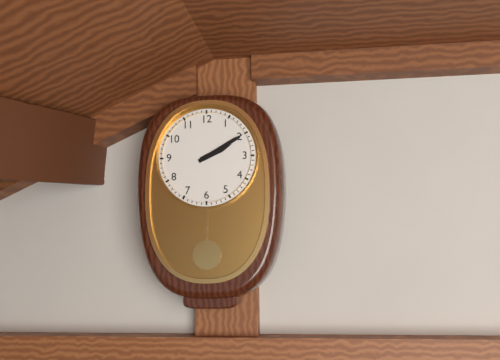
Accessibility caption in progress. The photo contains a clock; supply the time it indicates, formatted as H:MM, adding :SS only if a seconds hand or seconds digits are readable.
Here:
2:10
